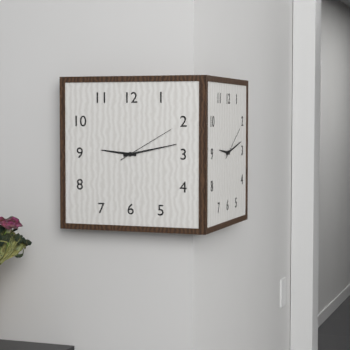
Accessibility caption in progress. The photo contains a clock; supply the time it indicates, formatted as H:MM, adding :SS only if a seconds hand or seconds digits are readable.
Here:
9:13:10
